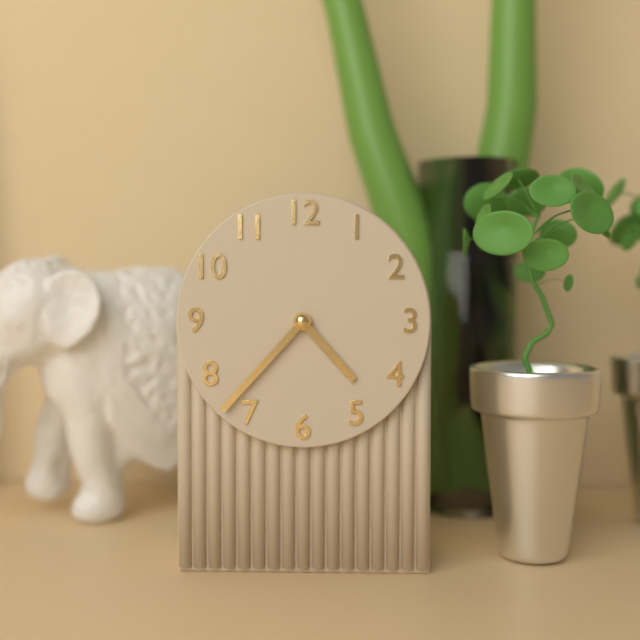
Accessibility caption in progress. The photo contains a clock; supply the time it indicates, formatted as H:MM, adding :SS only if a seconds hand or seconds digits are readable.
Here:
4:37
